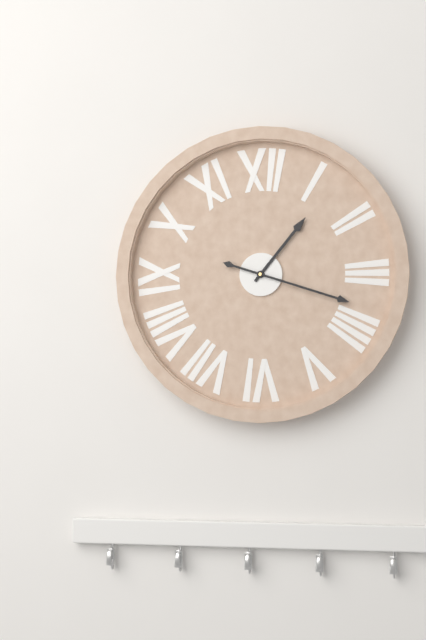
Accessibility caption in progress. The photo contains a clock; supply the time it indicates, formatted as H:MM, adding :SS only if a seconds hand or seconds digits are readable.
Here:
1:18
